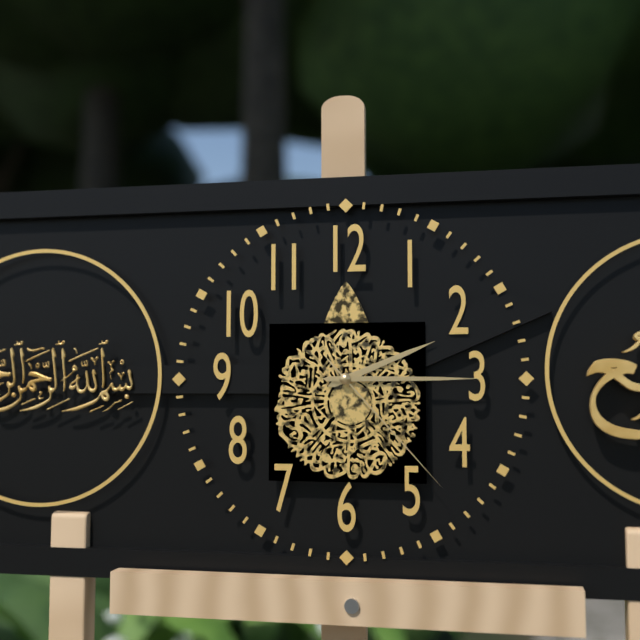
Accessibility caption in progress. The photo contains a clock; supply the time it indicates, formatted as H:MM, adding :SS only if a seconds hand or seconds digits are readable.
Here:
2:15:23
